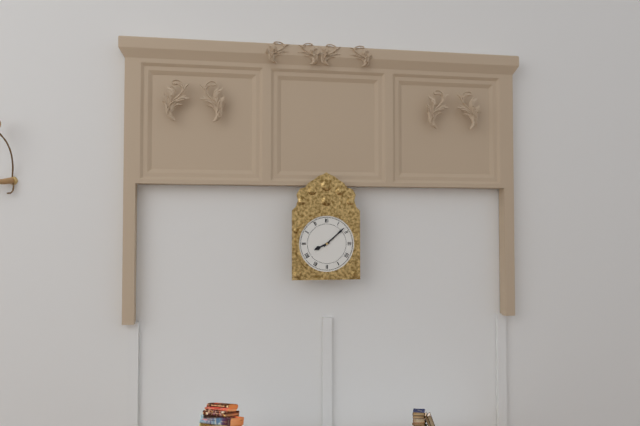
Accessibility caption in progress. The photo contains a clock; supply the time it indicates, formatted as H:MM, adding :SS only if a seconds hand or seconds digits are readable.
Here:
8:08
